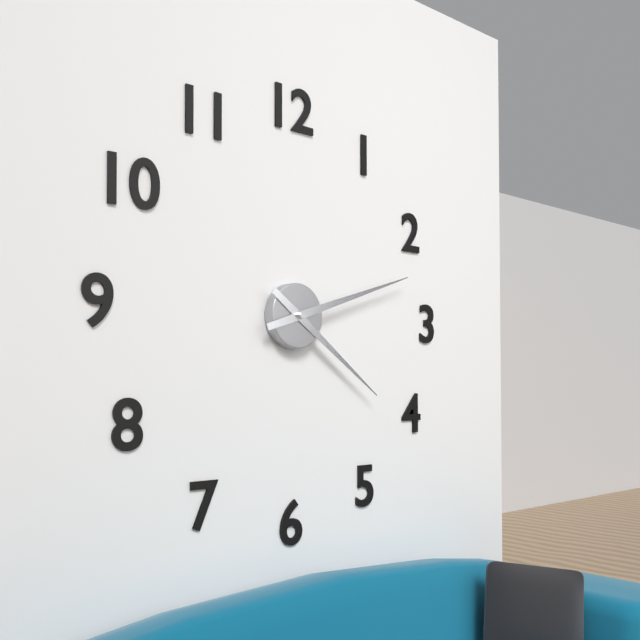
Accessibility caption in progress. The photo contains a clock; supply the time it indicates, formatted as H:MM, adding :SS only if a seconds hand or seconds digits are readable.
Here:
4:12
